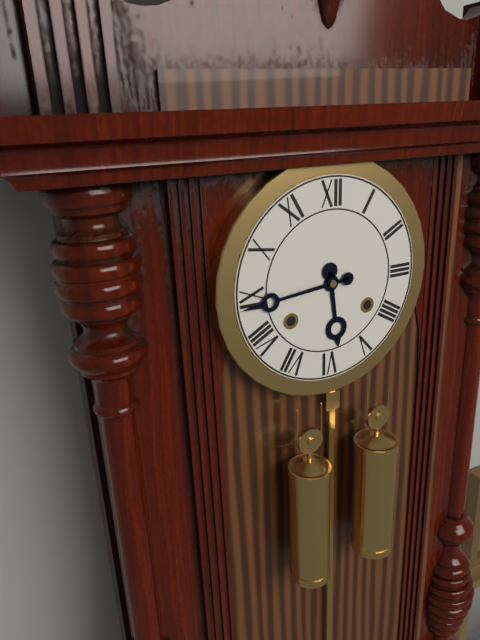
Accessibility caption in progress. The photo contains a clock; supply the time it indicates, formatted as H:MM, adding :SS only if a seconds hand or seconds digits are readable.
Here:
5:44
